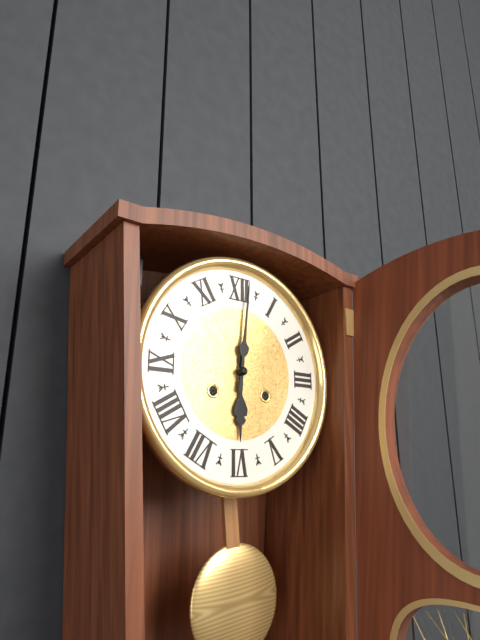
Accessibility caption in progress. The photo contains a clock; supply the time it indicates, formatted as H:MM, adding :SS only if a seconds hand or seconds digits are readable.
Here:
6:01
